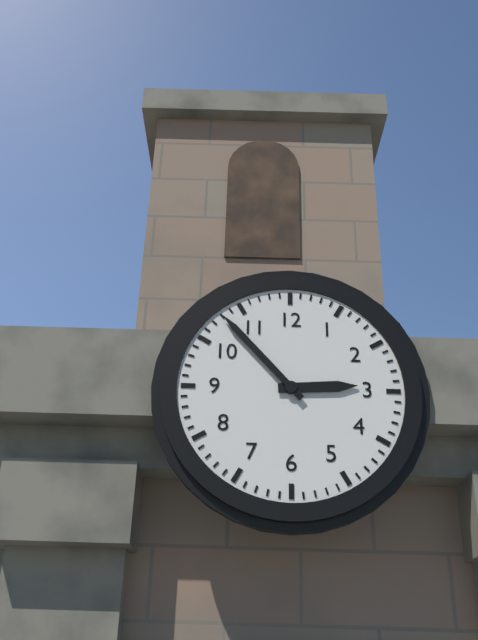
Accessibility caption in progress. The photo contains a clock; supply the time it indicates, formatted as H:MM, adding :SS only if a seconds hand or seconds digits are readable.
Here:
2:53
